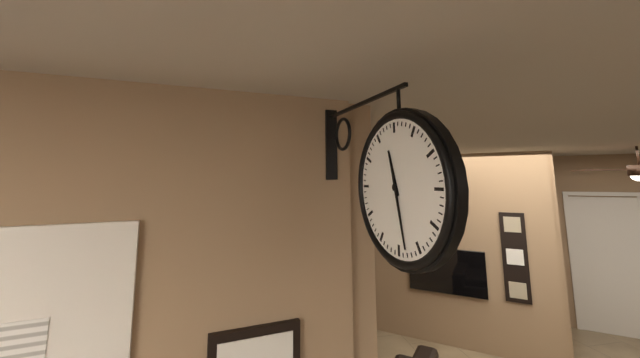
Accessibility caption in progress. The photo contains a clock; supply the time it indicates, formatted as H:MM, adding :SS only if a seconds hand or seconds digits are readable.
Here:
11:28
